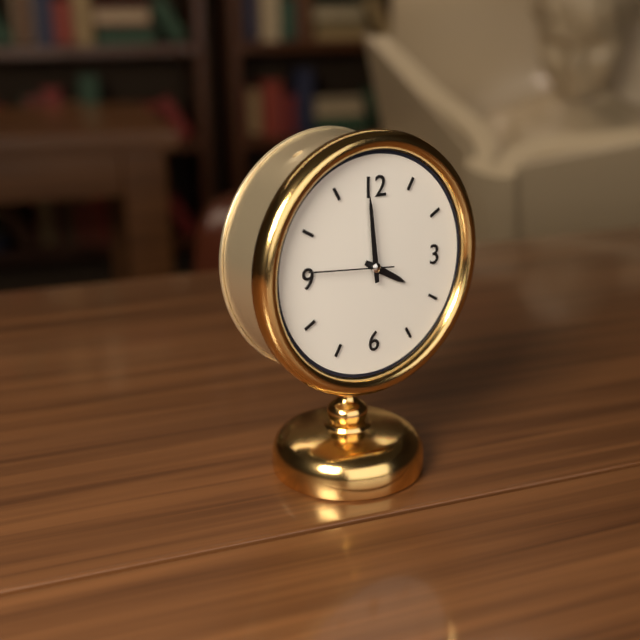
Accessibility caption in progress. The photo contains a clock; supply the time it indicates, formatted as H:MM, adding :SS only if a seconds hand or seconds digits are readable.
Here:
3:59:46
